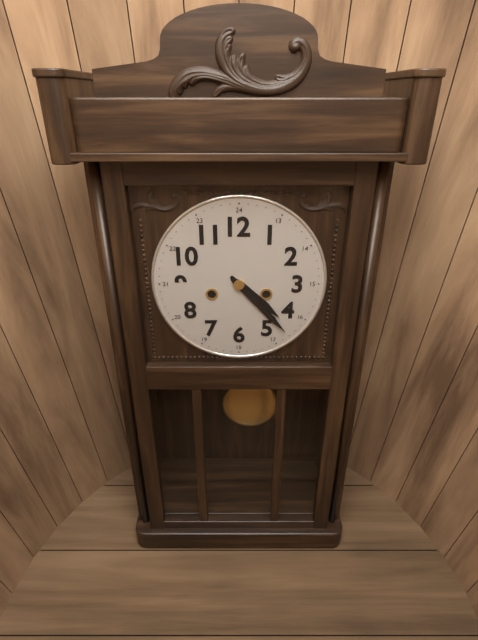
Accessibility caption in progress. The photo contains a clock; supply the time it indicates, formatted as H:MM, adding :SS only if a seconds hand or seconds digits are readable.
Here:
4:23
